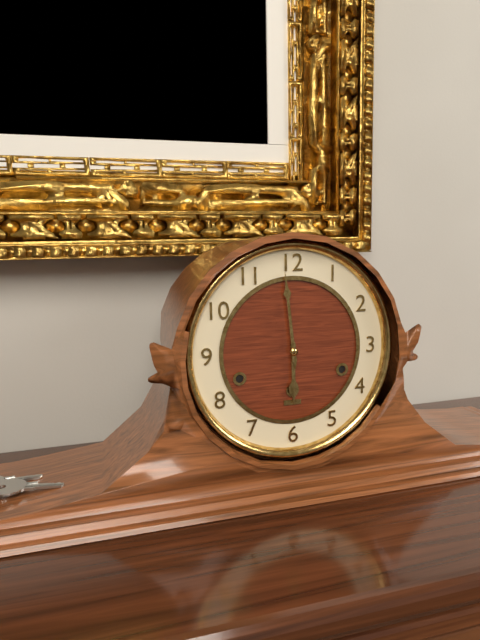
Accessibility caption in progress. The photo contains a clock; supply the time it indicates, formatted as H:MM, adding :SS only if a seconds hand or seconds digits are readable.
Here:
5:59
